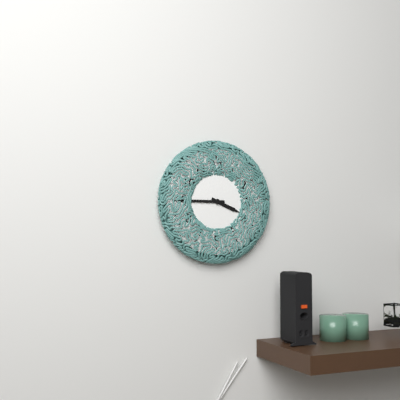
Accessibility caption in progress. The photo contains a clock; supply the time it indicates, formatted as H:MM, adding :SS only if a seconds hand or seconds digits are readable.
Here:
3:45
